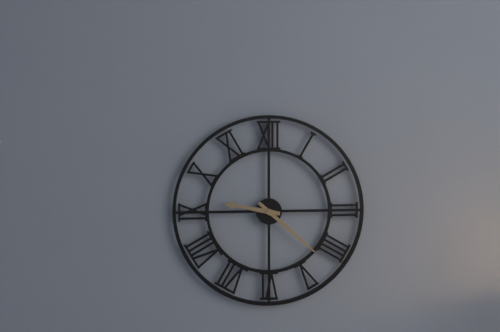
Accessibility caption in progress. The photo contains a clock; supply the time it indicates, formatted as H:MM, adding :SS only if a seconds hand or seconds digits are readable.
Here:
9:22
